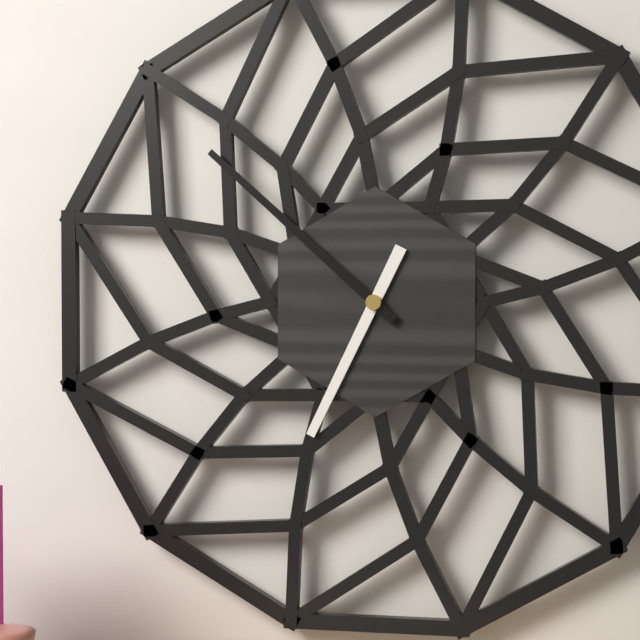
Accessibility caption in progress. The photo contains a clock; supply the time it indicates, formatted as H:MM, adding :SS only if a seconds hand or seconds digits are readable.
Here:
6:52
